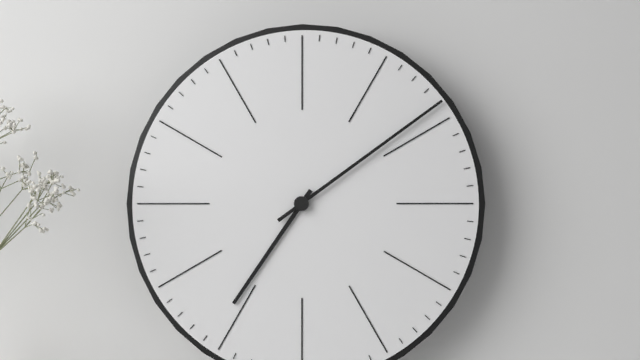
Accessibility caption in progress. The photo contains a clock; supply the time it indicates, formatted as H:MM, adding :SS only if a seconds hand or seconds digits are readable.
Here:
7:09
